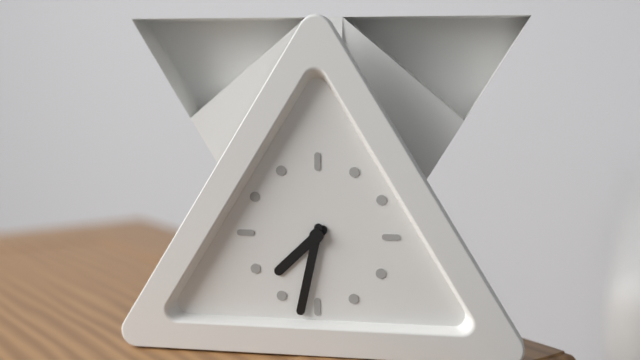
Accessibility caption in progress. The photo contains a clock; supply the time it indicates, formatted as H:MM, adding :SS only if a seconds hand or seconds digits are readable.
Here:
7:32
